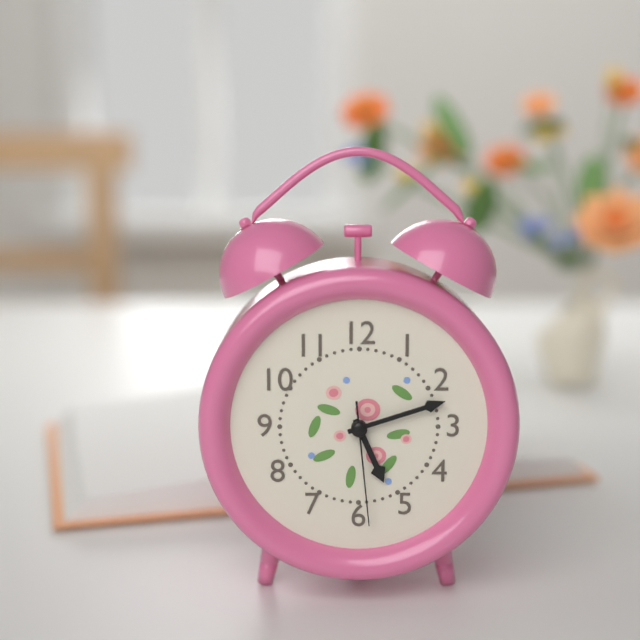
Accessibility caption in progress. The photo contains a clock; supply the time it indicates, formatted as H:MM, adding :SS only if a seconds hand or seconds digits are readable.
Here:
5:12:29
